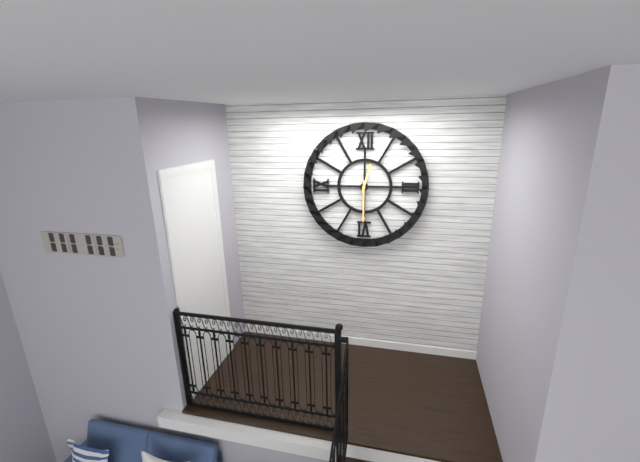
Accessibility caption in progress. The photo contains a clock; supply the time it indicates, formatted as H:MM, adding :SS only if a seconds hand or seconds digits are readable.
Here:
12:30
